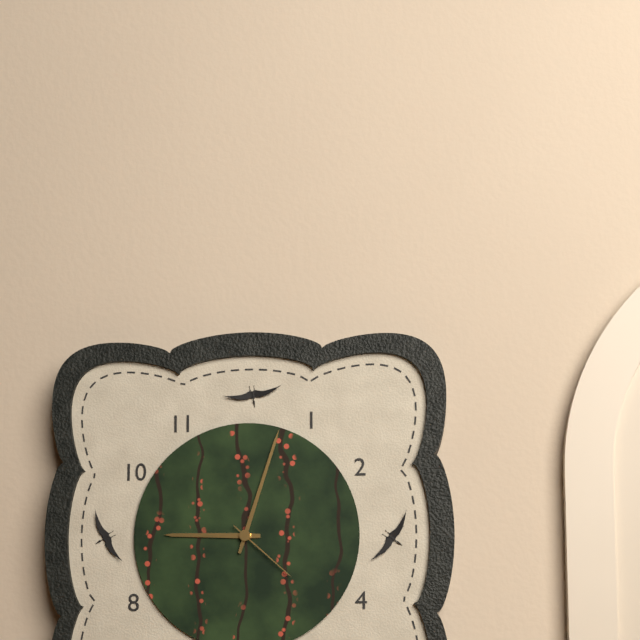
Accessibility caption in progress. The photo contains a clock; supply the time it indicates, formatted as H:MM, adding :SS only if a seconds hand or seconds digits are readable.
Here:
9:03:22
